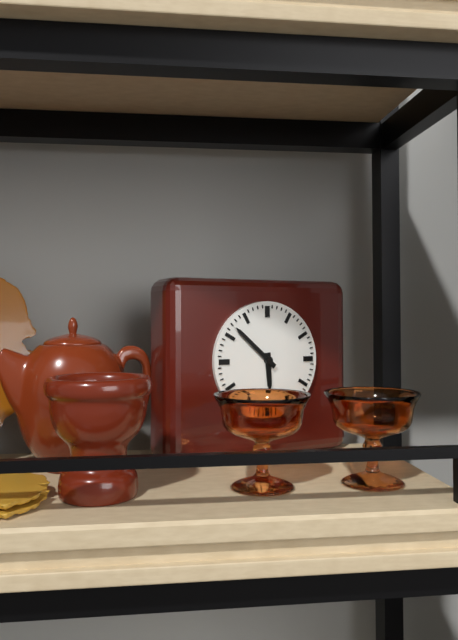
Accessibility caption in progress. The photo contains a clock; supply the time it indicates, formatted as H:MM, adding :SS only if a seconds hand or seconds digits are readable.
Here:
5:52
